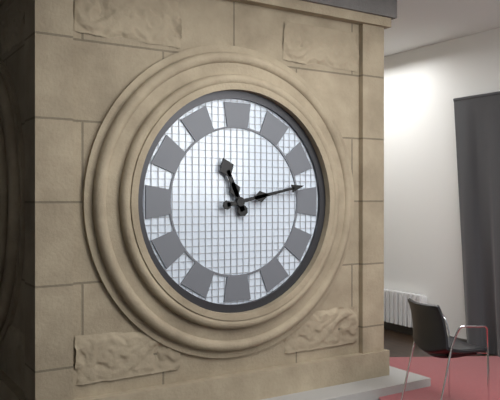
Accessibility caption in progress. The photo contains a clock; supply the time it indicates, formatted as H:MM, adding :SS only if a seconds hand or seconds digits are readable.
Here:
11:13
